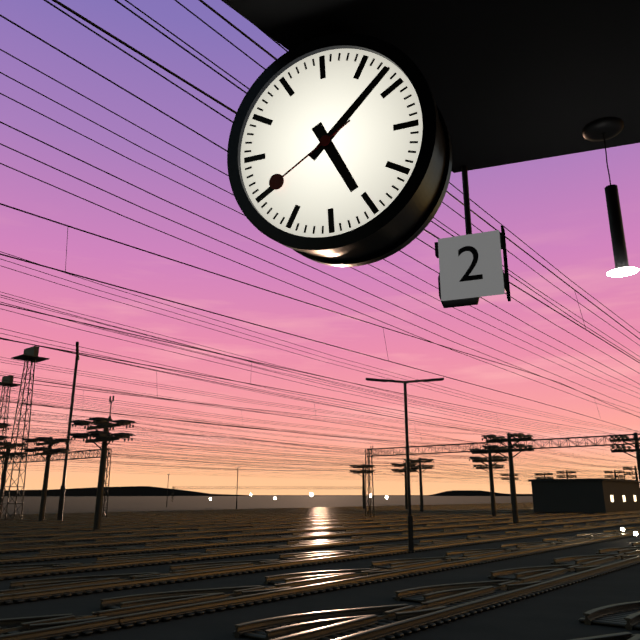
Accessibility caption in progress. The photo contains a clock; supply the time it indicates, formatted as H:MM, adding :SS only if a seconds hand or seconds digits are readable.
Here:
5:08:40
